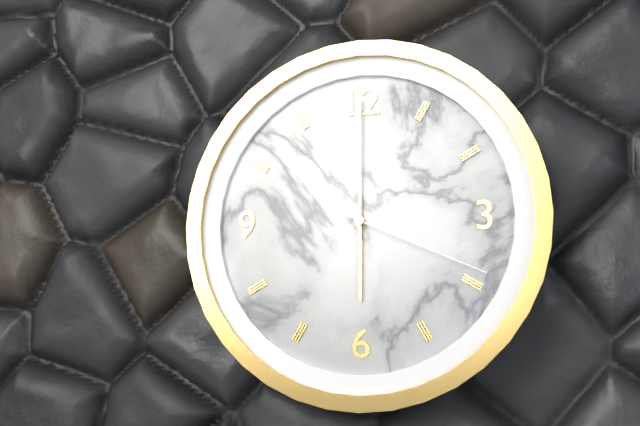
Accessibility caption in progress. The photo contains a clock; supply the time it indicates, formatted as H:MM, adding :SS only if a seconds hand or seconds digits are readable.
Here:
6:00:19
